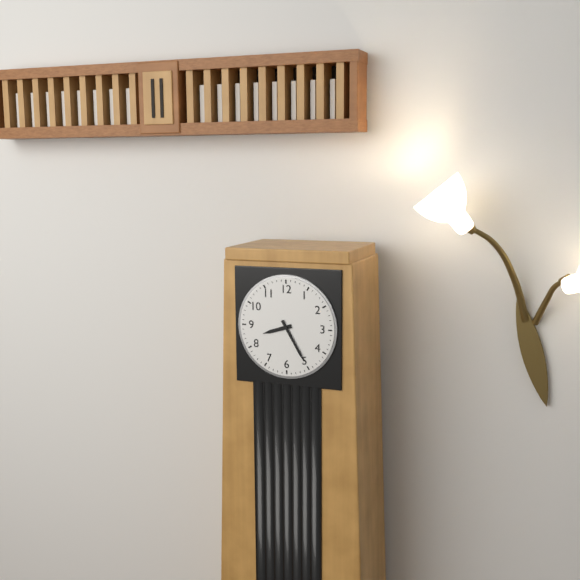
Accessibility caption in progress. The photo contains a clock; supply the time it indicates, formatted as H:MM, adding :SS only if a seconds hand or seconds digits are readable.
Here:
8:25
